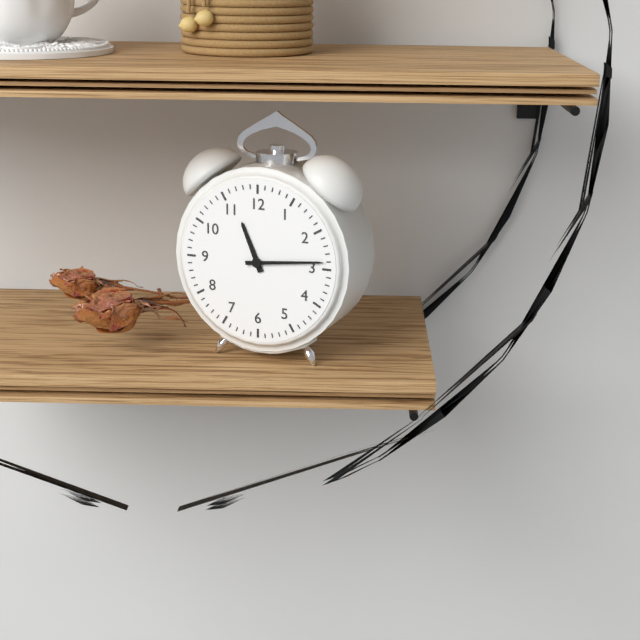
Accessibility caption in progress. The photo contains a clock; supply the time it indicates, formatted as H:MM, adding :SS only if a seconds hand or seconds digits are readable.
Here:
11:14
